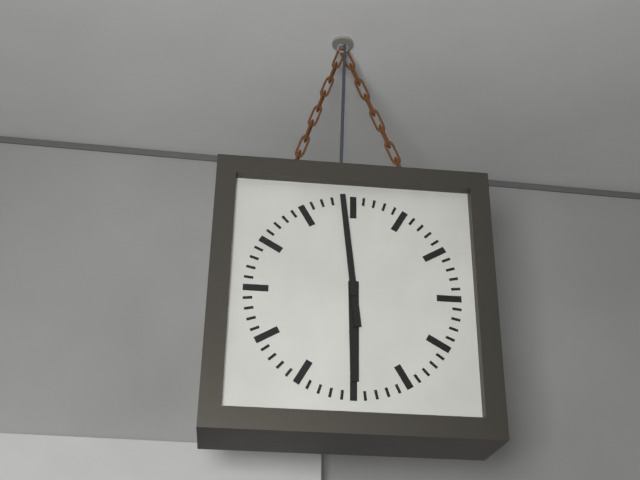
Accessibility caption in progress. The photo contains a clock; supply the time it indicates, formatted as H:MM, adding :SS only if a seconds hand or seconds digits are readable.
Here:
5:59
